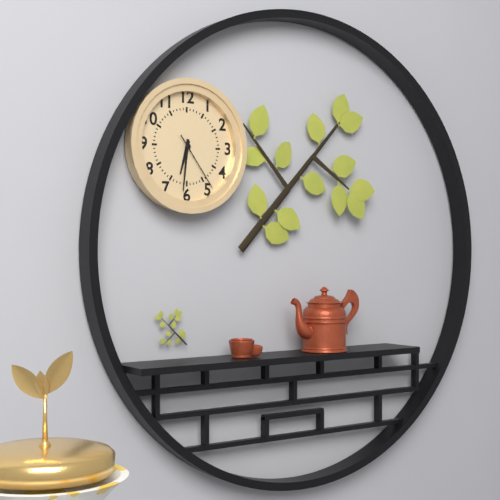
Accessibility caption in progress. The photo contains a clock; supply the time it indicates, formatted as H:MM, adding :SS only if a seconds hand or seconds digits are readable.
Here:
6:31:24
